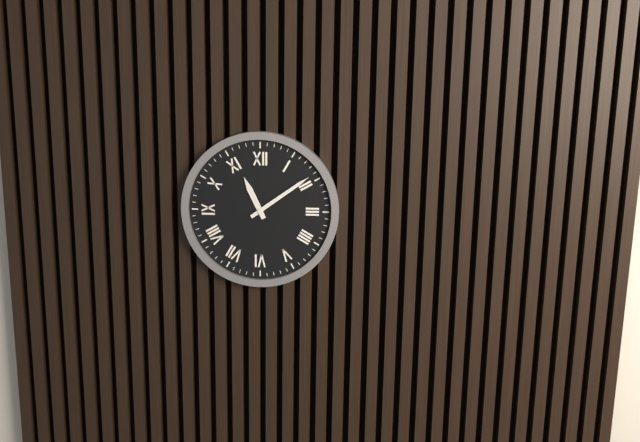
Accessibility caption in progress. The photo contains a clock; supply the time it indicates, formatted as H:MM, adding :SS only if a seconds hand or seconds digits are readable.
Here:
11:09
